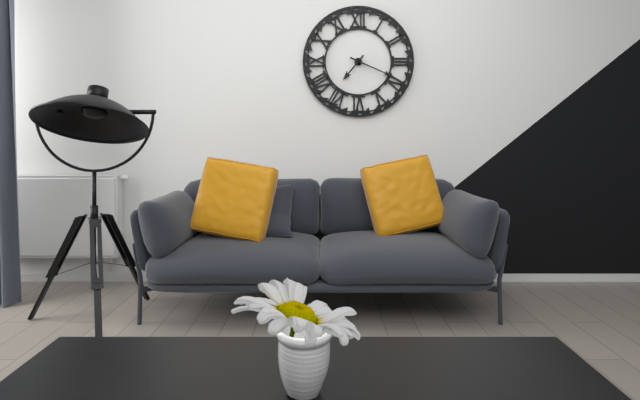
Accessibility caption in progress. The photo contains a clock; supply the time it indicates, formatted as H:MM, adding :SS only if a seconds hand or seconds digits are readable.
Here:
7:19
